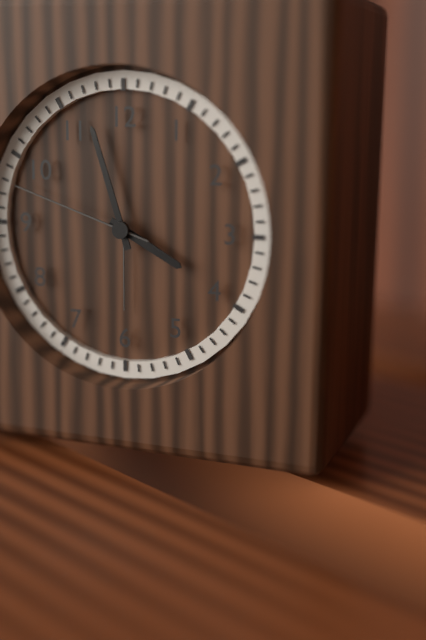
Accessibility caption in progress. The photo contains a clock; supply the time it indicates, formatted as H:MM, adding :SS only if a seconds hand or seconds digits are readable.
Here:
3:57:48
